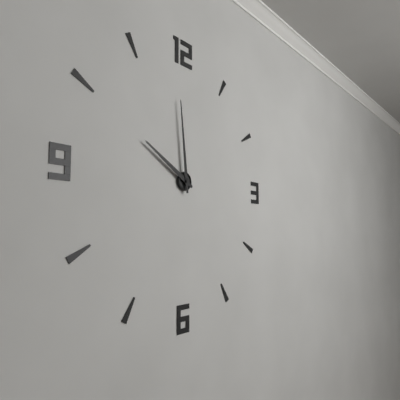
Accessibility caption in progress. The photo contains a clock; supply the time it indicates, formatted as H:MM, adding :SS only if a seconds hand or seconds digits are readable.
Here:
9:59
